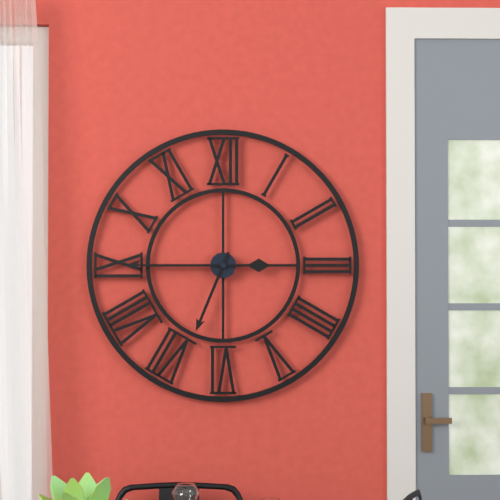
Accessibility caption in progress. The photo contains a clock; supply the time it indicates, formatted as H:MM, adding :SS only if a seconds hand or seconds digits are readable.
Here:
6:45
